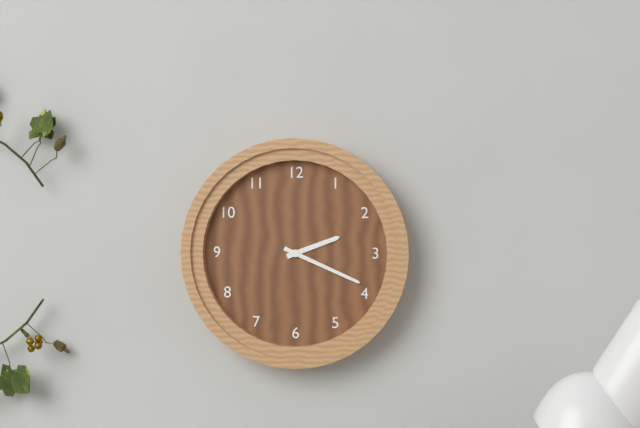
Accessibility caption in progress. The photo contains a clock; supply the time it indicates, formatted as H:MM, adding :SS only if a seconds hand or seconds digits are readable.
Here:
2:19
